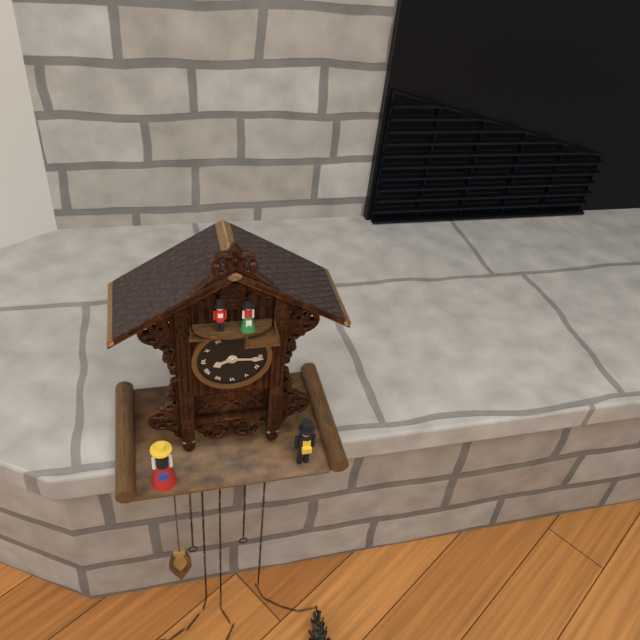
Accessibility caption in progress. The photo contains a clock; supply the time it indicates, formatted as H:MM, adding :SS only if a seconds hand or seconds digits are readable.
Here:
8:16
